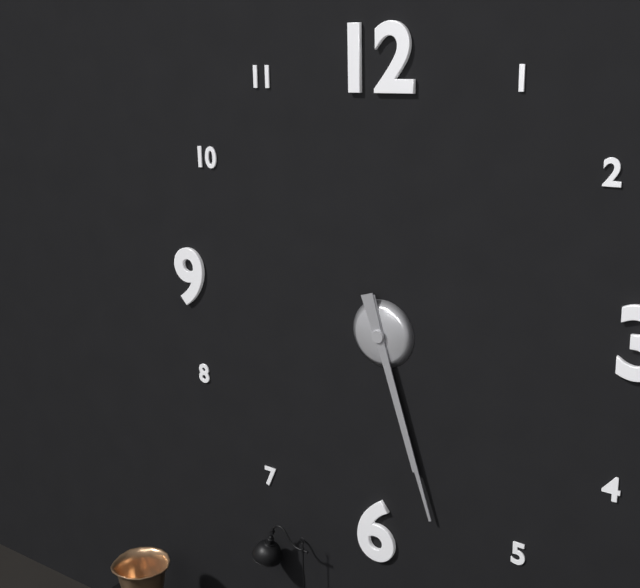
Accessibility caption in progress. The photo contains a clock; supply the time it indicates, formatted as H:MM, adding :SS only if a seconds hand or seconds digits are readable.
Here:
5:27
